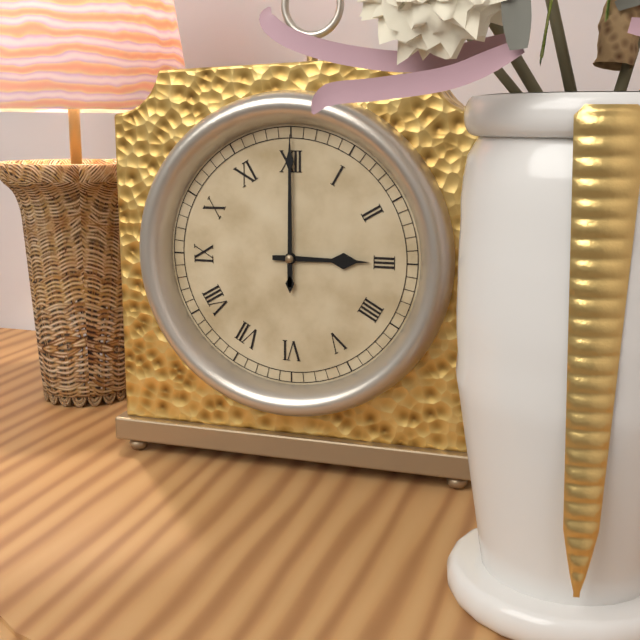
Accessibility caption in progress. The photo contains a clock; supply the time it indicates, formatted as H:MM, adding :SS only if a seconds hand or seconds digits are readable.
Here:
3:00
